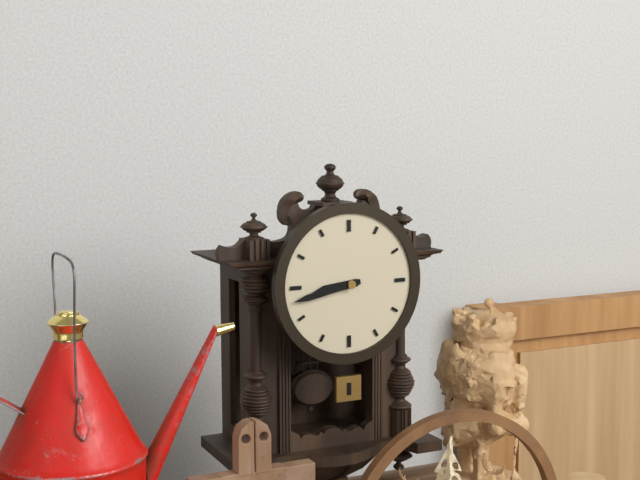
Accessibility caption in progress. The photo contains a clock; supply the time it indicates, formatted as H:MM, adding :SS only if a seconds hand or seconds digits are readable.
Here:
8:43
